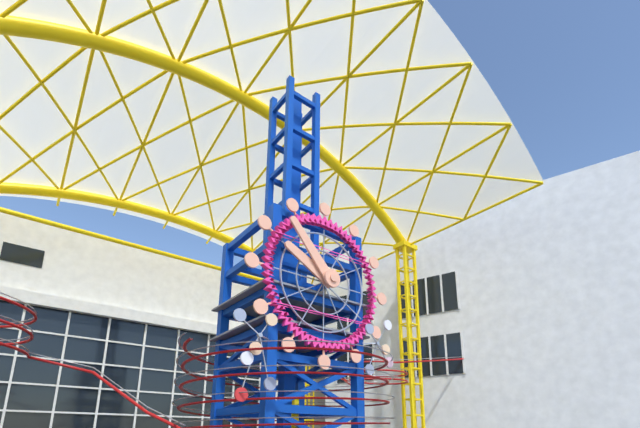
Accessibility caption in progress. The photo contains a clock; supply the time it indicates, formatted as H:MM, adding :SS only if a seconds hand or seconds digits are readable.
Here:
9:53
